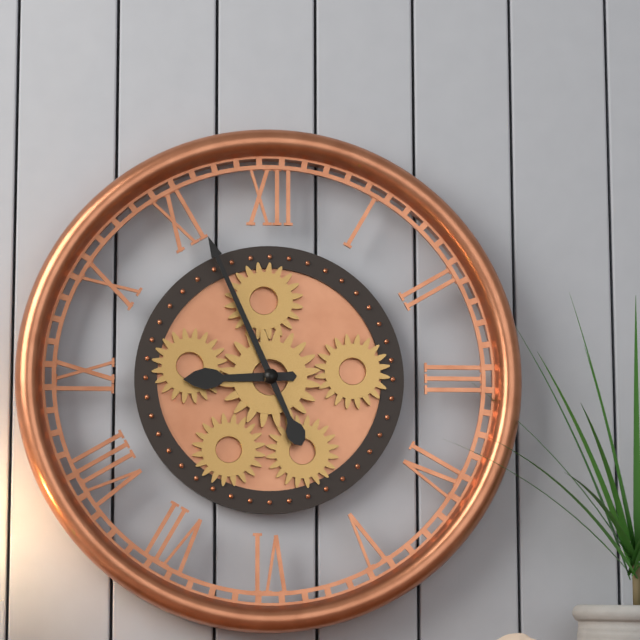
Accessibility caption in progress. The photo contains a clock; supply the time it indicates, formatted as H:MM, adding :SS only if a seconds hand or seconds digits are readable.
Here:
8:56
